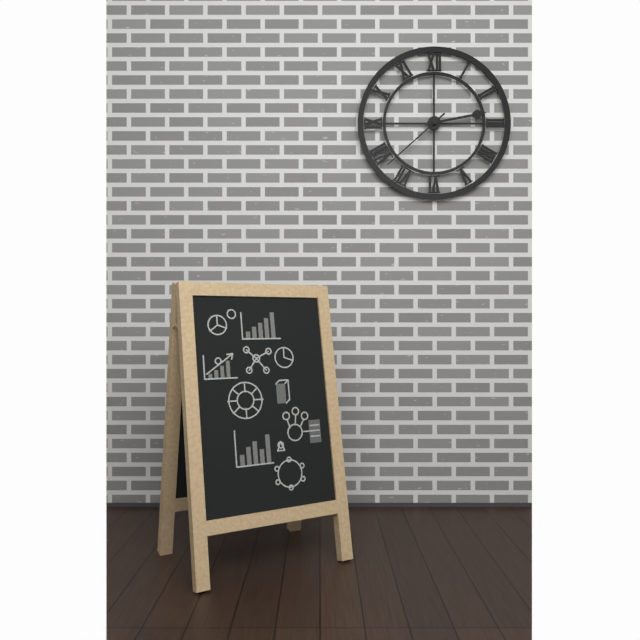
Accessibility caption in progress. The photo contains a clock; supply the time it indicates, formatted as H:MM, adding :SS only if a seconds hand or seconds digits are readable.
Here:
2:38
